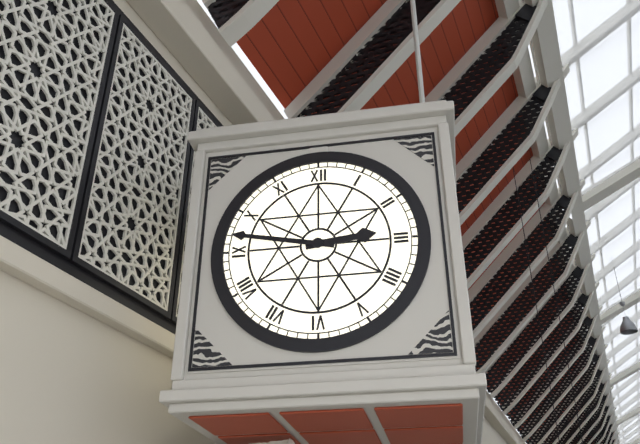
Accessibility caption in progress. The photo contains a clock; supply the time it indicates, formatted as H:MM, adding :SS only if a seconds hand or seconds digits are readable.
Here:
2:47
